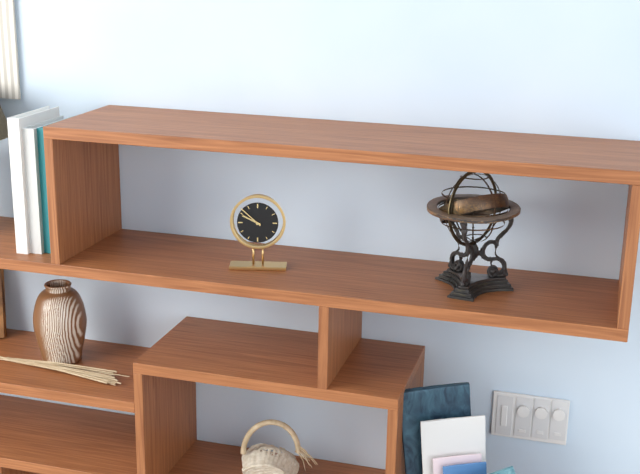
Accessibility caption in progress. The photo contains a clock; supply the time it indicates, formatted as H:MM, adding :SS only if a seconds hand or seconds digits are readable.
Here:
9:52
